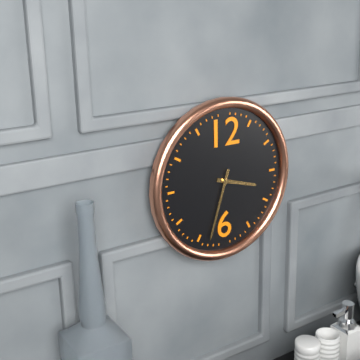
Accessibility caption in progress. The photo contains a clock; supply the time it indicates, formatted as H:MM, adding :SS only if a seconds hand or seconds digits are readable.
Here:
3:33
